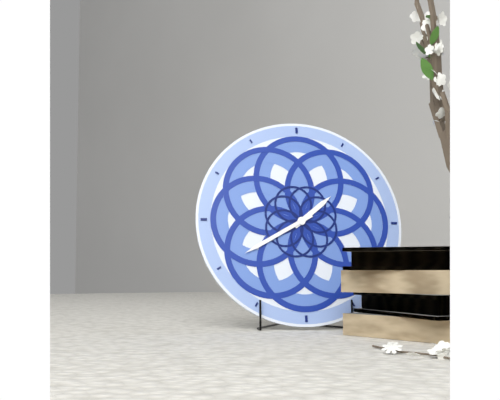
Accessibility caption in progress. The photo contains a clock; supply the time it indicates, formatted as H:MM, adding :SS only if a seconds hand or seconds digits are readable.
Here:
1:40
